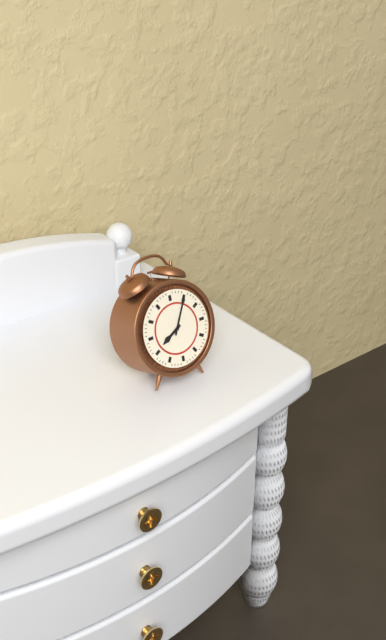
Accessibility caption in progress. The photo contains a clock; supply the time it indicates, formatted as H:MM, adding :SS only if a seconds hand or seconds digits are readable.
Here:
8:05
